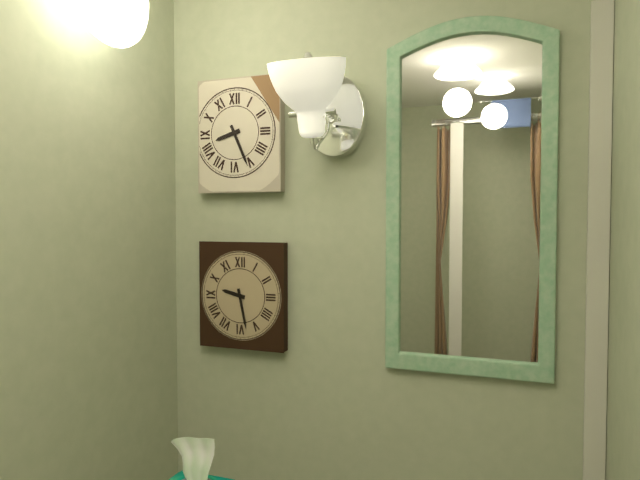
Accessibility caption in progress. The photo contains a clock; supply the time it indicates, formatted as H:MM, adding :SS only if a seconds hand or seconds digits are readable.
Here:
8:26
